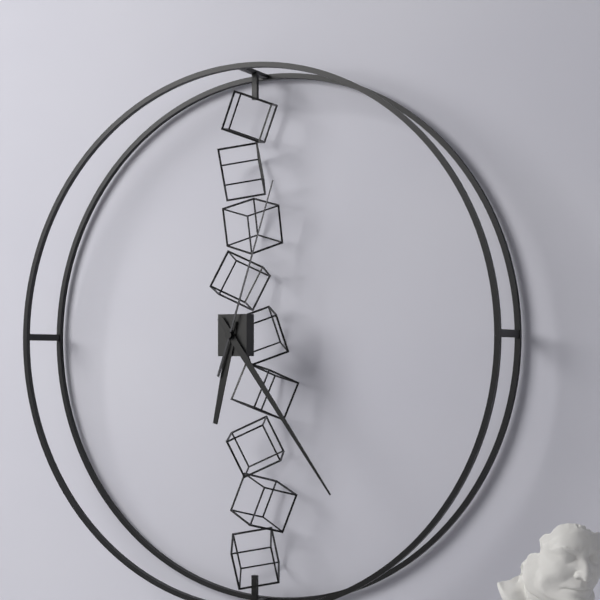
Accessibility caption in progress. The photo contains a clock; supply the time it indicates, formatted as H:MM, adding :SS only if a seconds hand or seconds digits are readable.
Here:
6:24:03
